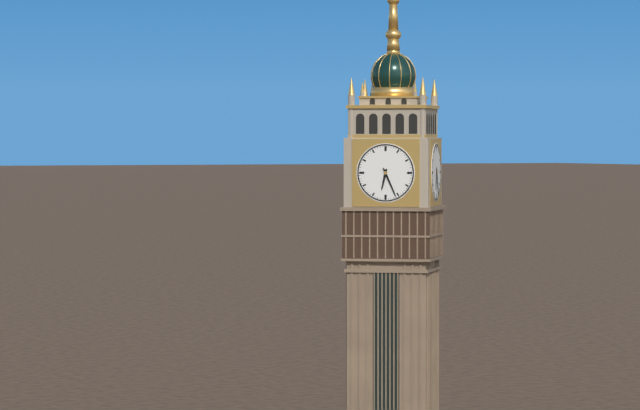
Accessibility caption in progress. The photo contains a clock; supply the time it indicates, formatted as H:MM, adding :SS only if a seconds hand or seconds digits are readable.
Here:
6:26
